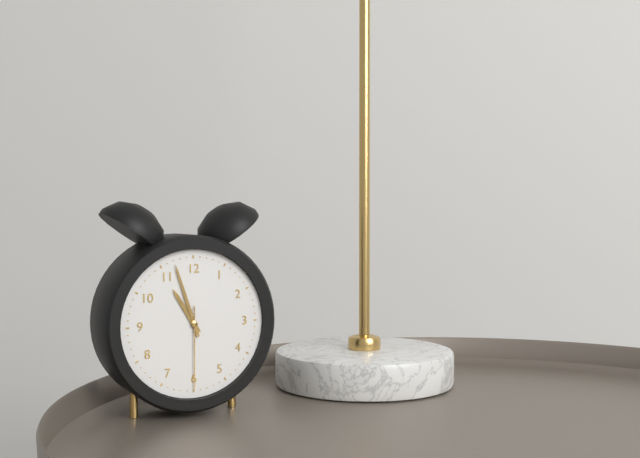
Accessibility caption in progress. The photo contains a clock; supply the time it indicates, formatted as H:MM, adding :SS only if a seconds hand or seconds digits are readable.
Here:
10:57:30
